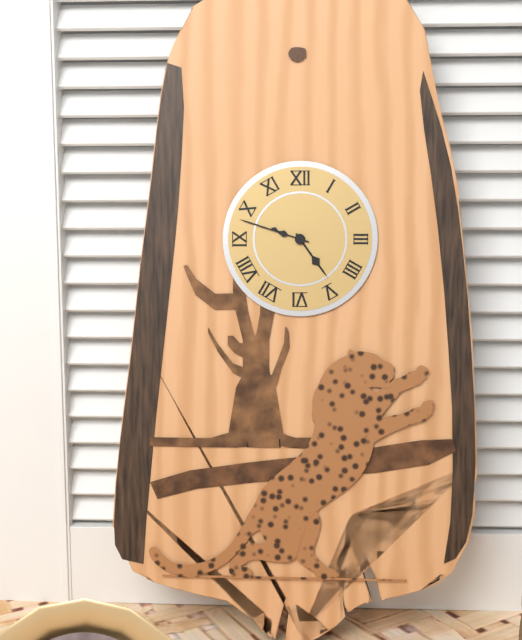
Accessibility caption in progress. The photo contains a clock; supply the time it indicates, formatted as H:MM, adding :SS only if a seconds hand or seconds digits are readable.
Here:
4:48
